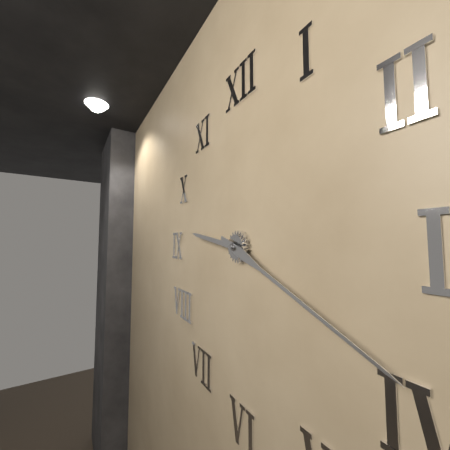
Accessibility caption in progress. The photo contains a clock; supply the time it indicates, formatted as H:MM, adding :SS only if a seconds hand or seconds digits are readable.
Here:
9:19
